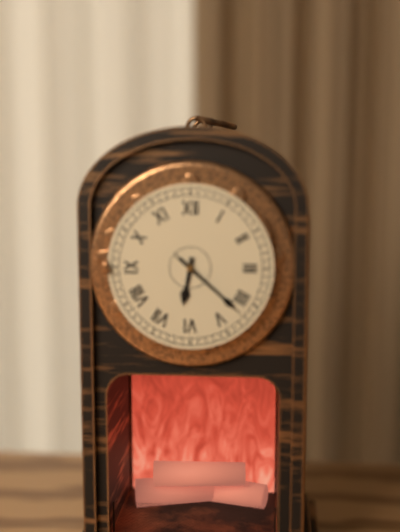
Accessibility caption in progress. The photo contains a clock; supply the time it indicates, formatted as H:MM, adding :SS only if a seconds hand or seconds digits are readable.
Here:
6:22:22
